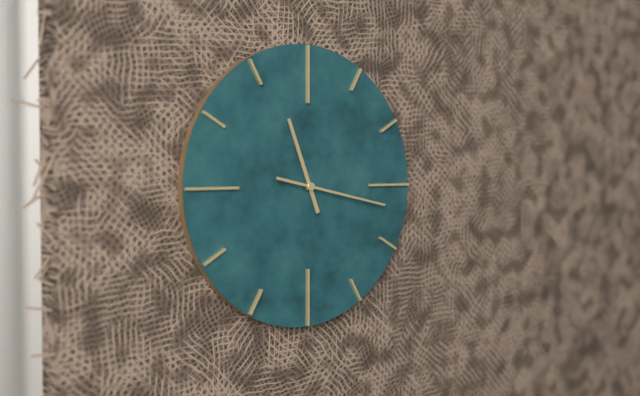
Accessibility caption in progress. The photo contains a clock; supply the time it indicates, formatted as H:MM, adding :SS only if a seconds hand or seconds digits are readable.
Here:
11:17
